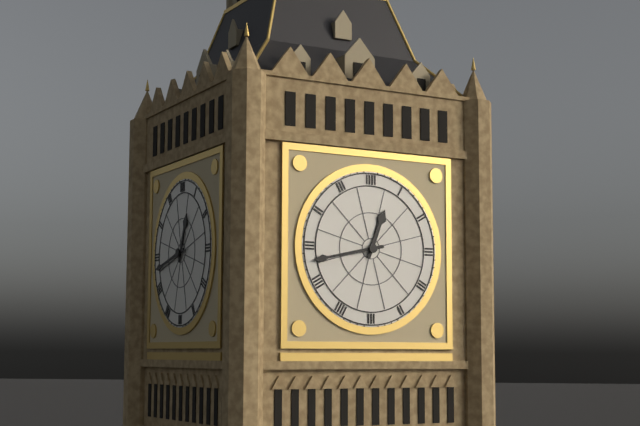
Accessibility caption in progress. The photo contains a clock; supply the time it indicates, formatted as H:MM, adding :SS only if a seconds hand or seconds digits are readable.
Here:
12:43
